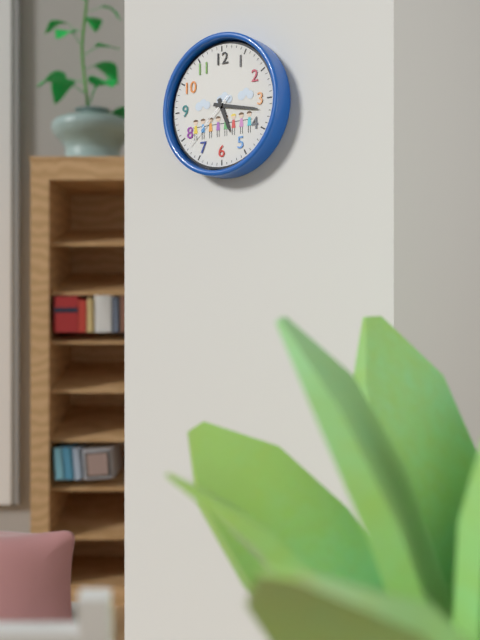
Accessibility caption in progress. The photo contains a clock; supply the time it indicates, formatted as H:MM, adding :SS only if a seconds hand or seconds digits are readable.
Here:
5:17:38
